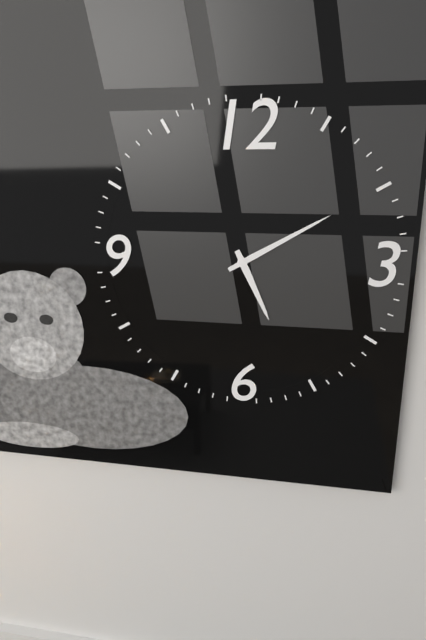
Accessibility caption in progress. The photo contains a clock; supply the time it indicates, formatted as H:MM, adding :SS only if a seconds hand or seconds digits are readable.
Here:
5:10
